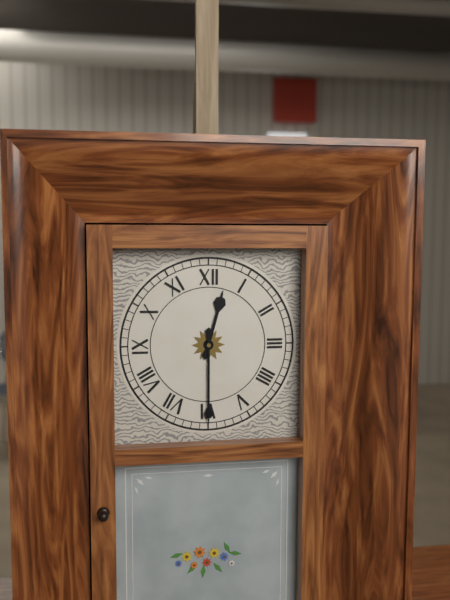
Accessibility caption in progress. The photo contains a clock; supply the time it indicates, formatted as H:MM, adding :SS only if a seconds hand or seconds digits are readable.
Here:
12:30
